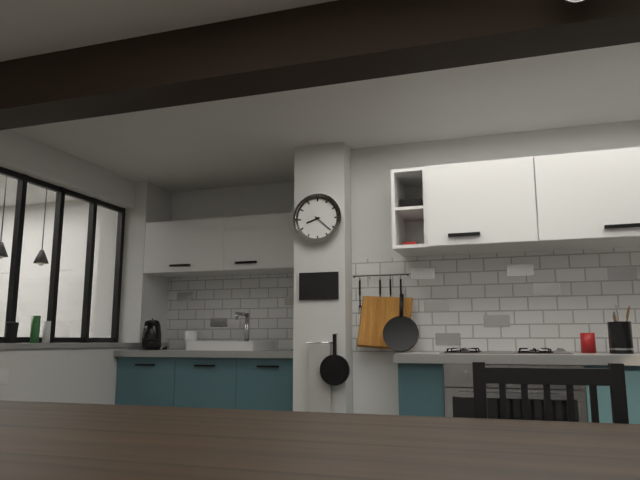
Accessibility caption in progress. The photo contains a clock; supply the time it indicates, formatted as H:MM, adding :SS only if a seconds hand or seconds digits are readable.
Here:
8:22
